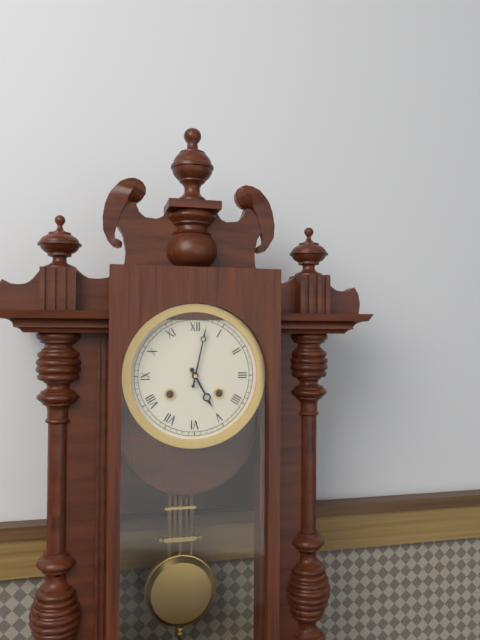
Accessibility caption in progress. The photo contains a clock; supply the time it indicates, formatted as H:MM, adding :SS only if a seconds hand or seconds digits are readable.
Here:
5:02
